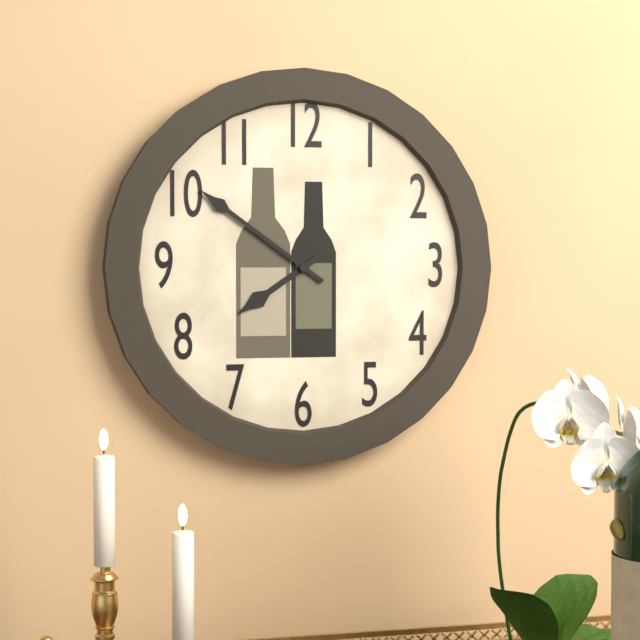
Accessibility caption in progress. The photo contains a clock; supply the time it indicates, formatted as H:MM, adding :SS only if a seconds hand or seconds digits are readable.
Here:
7:51
